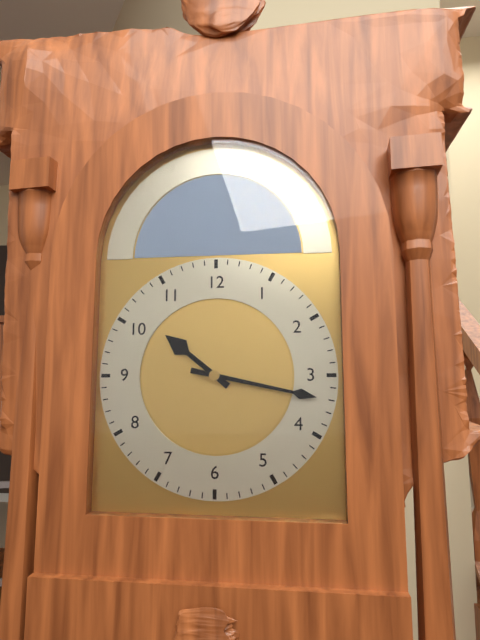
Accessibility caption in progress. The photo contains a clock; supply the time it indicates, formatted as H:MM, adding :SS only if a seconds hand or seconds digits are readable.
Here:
10:17
